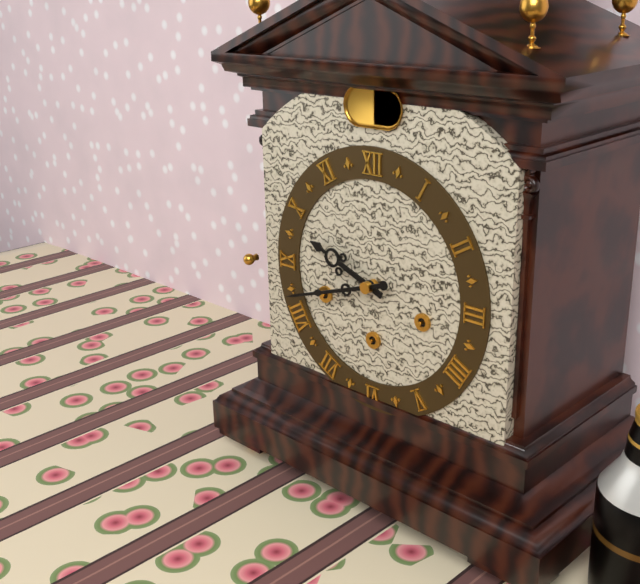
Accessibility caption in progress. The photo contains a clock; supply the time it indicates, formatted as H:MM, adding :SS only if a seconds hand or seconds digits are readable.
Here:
9:42
